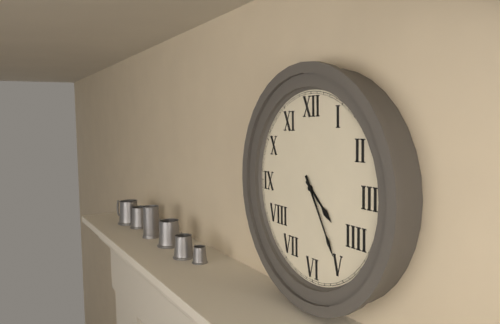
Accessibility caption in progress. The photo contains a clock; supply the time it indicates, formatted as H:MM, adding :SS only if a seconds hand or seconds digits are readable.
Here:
4:25
